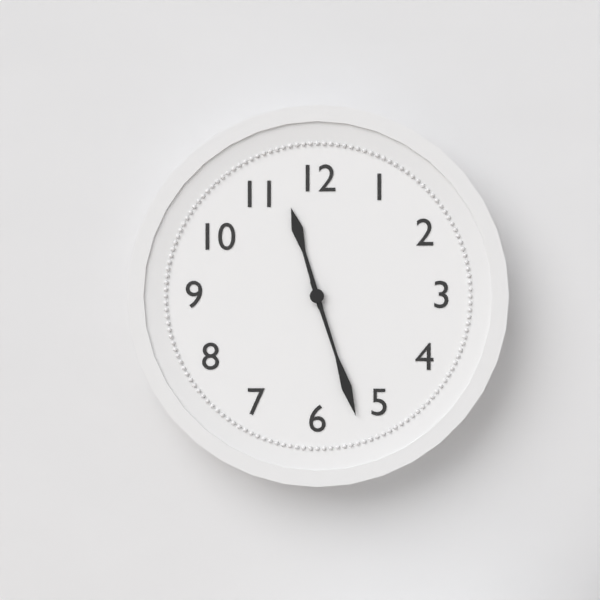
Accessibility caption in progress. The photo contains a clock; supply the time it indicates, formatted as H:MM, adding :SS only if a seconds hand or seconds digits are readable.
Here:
11:27
